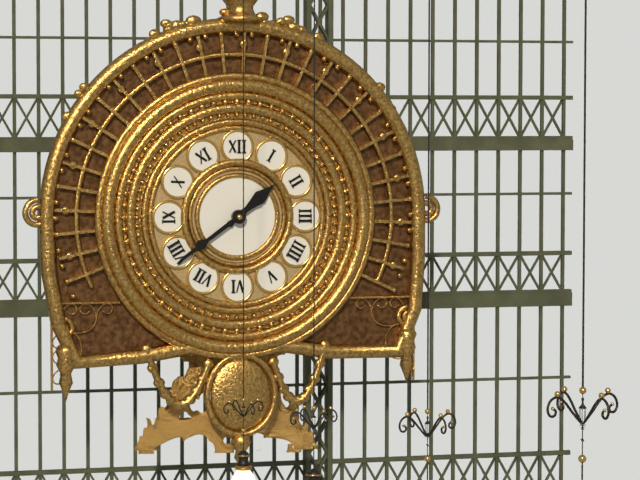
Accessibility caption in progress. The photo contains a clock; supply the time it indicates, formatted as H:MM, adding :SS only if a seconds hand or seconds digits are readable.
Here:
1:39
